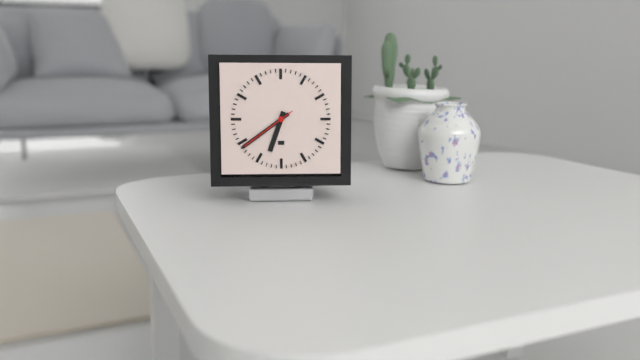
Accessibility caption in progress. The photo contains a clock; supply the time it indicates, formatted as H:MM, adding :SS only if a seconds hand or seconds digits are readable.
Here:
6:39:39
